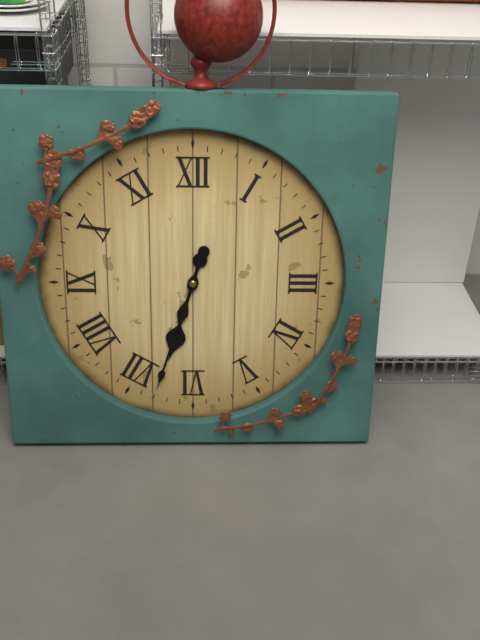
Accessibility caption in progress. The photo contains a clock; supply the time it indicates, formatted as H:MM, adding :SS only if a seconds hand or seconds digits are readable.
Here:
6:33
